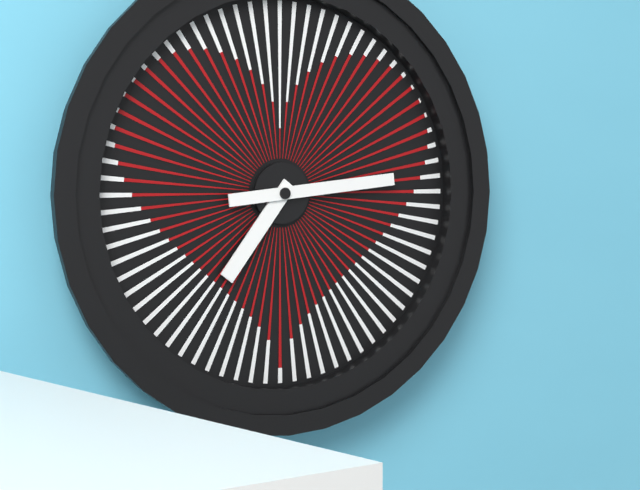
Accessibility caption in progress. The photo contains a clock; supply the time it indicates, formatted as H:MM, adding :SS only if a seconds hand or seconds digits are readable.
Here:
7:14
